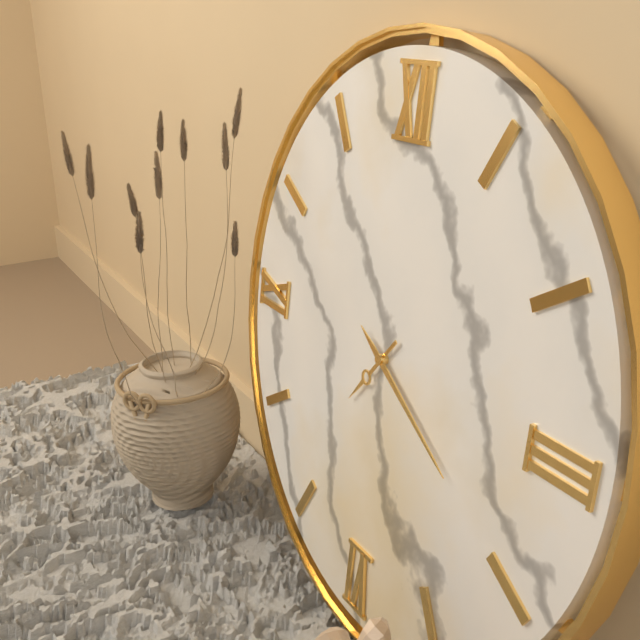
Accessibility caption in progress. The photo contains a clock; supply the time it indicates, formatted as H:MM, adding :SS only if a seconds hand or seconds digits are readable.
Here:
7:20
